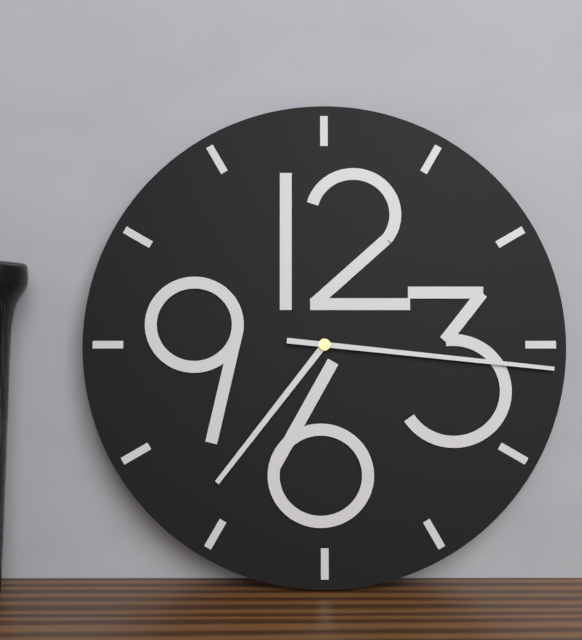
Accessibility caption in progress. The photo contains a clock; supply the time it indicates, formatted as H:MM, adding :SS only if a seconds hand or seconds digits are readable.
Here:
7:16
